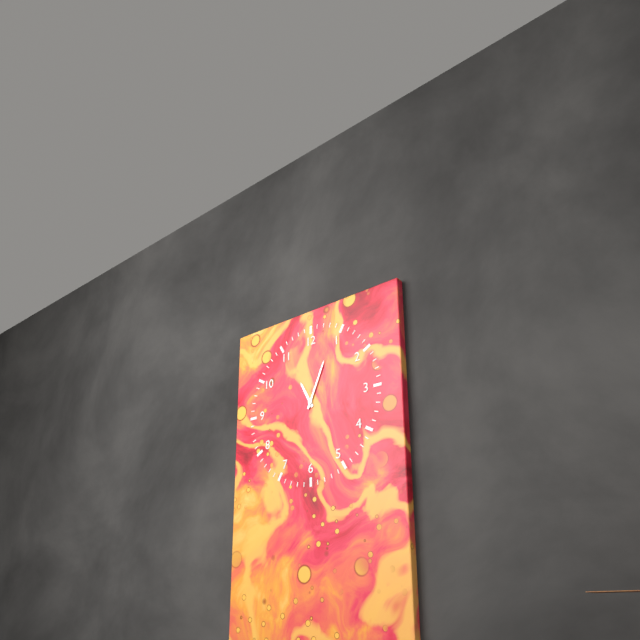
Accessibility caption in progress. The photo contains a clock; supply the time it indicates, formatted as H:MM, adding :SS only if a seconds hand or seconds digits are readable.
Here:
11:04
